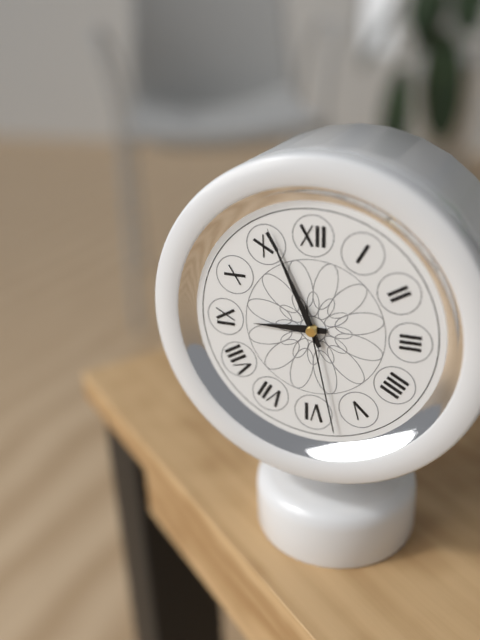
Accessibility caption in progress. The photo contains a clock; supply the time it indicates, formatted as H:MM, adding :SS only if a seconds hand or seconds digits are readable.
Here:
8:56:28
